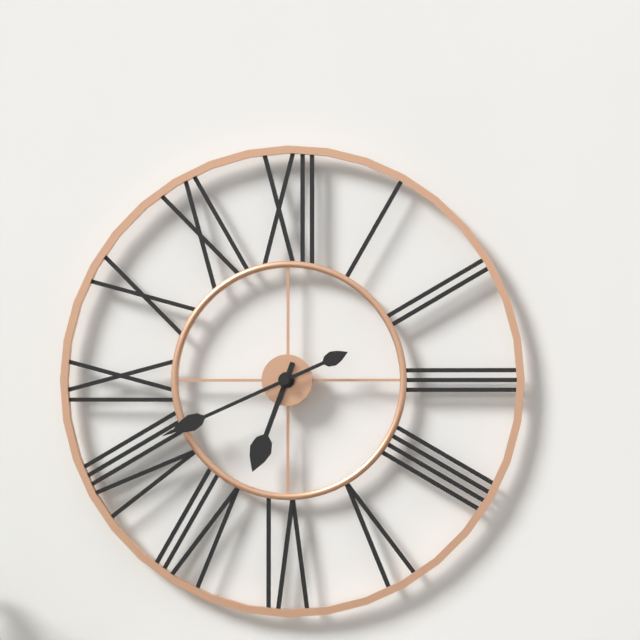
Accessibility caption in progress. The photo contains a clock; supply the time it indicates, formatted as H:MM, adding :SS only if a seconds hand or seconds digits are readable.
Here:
6:41
